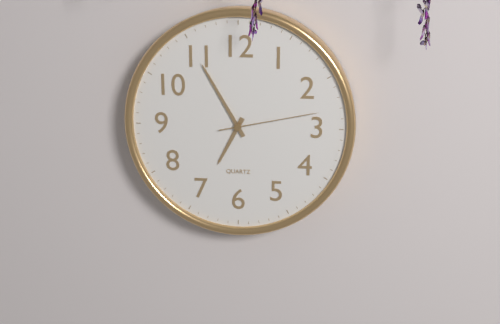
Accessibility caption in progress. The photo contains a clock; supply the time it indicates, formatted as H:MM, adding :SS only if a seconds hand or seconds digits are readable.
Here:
6:55:13
